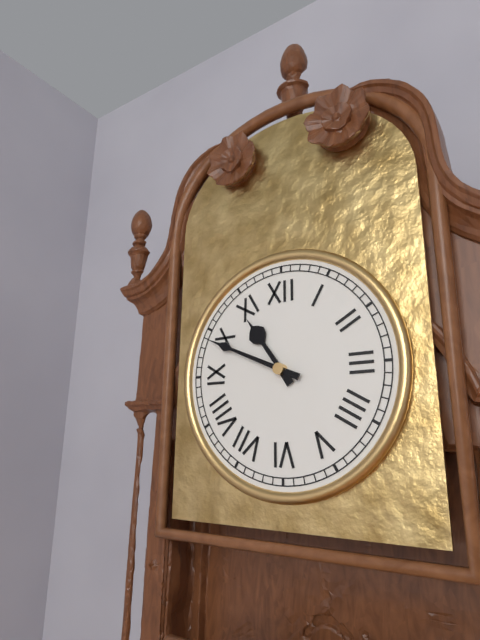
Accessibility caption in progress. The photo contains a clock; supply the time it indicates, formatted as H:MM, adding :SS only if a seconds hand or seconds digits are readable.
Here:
10:49
